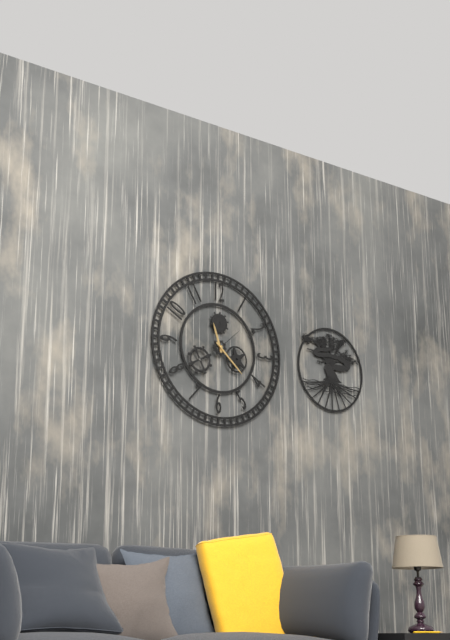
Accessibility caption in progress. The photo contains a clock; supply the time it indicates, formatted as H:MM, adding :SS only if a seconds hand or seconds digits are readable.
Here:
11:22
